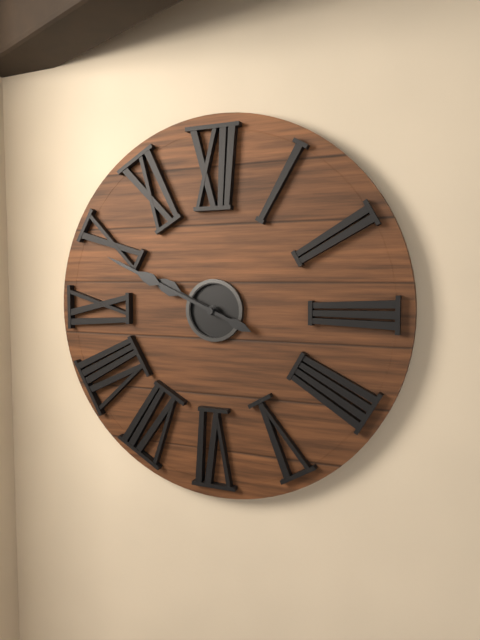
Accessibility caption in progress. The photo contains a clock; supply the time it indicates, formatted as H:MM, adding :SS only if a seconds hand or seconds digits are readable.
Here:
9:49
